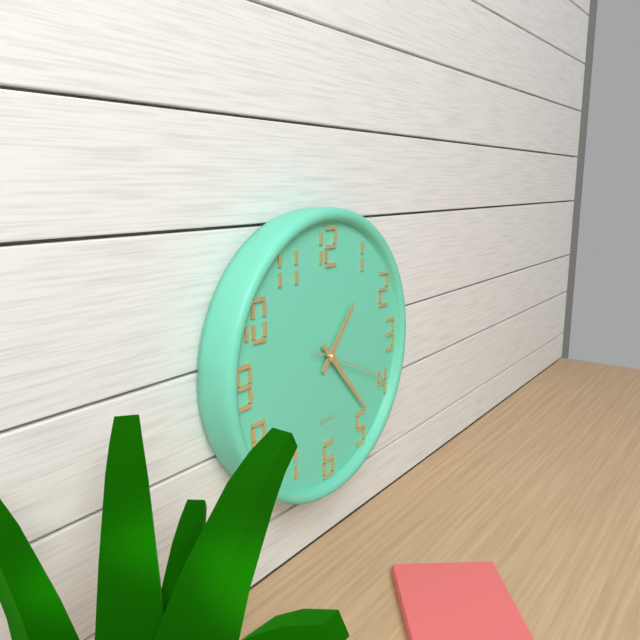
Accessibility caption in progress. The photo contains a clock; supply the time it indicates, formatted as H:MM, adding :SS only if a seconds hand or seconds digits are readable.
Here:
1:23:19
